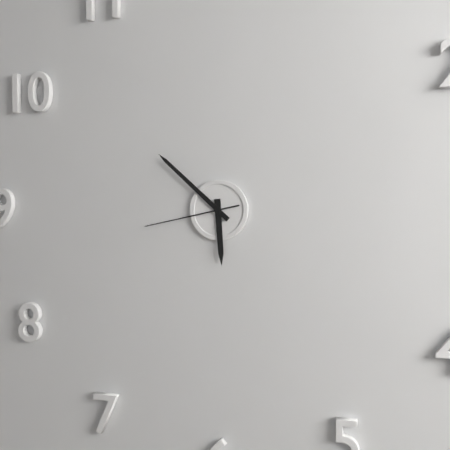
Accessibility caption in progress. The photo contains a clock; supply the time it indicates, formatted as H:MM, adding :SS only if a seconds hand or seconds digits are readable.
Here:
5:52:43
